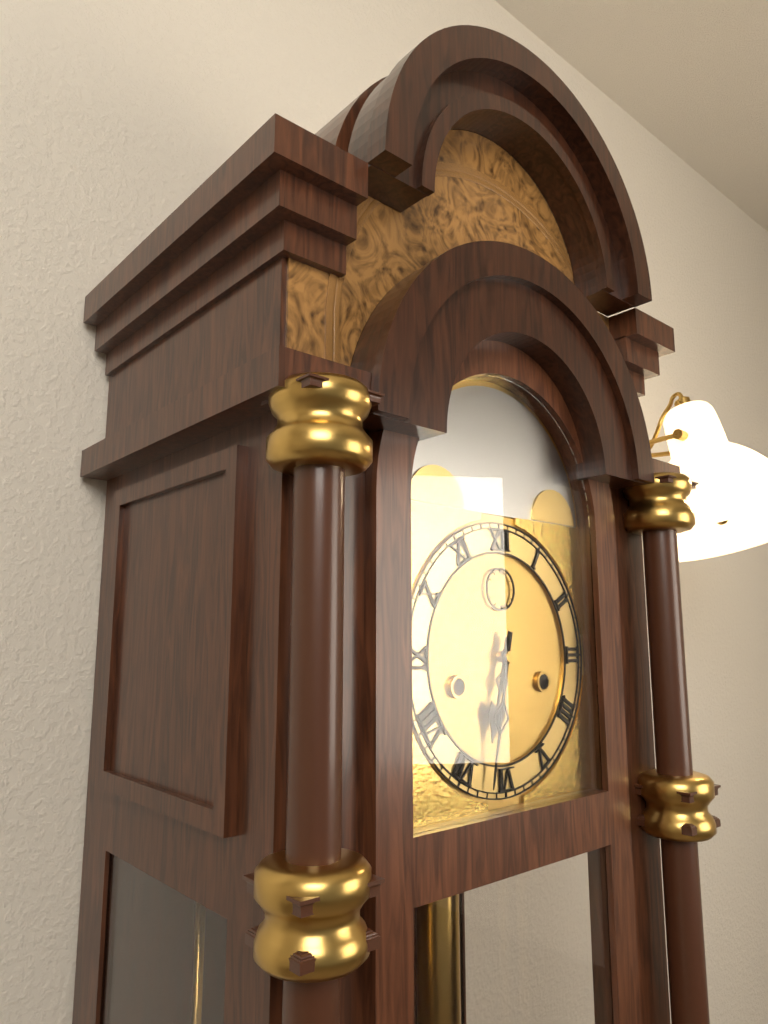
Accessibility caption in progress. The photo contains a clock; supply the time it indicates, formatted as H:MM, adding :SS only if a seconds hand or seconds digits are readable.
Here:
6:32
